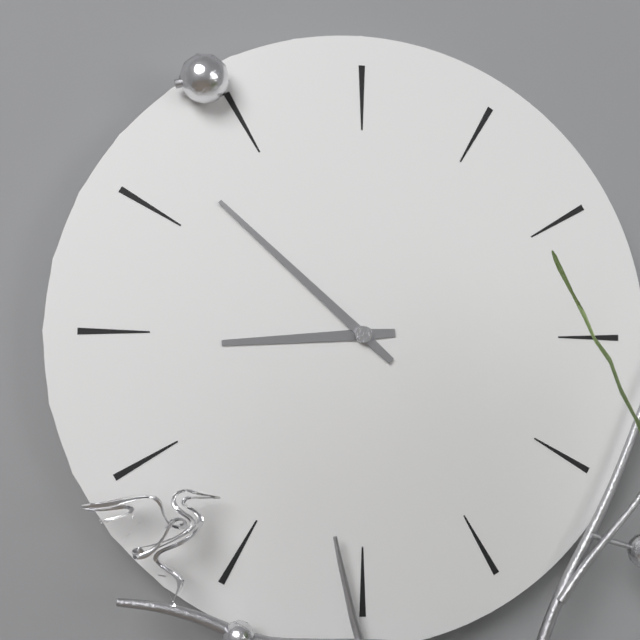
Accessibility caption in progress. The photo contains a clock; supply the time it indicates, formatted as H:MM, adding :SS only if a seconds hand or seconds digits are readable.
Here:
8:52
